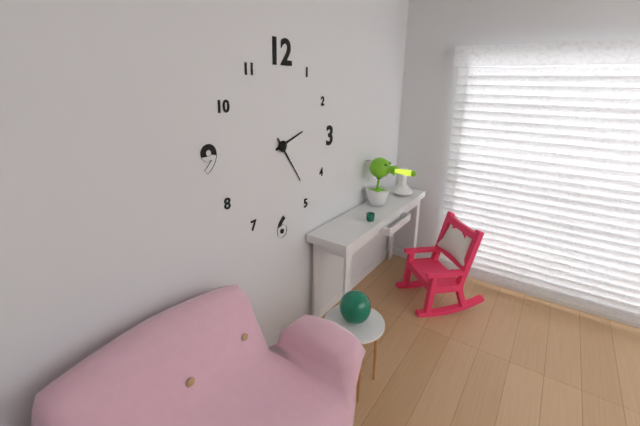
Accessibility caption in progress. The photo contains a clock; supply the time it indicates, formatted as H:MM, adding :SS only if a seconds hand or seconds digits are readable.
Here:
2:24
